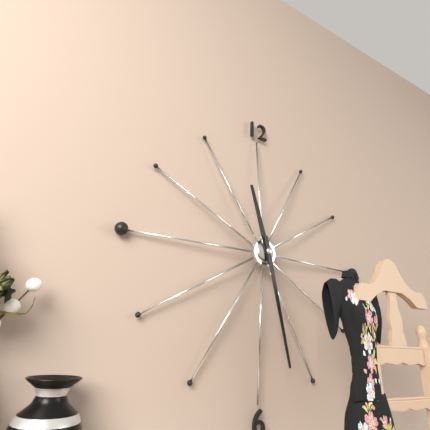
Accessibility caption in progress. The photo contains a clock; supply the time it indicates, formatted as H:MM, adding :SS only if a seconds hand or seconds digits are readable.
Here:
11:28
